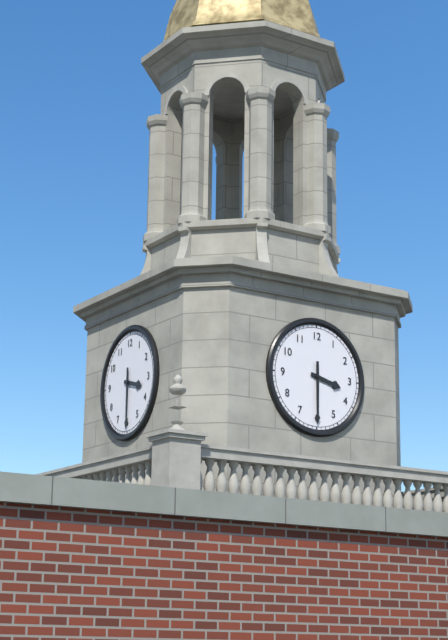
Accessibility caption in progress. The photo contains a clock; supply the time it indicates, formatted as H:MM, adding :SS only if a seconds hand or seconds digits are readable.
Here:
3:30
